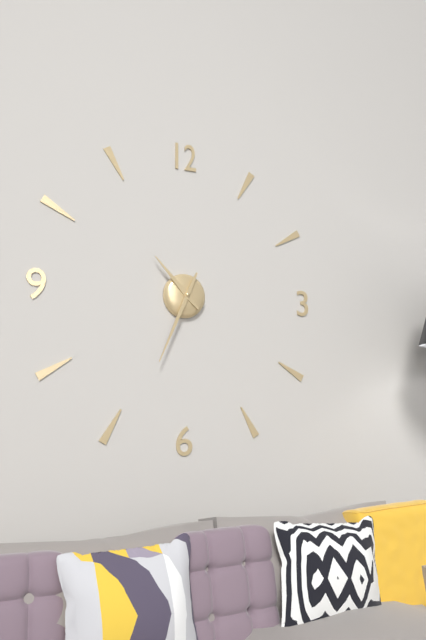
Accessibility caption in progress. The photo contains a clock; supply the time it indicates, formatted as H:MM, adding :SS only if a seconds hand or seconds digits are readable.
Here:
10:34
